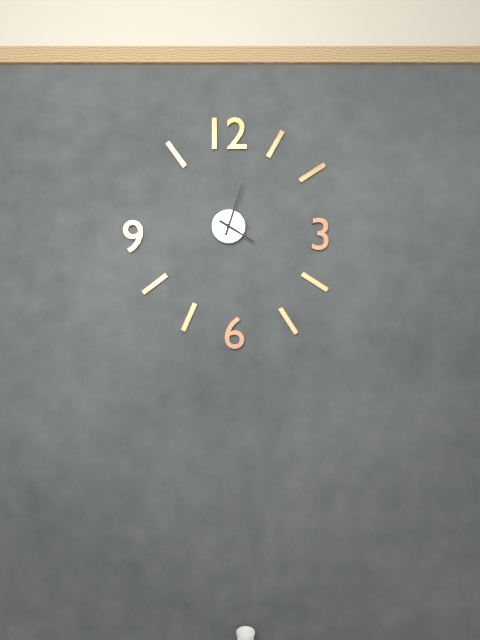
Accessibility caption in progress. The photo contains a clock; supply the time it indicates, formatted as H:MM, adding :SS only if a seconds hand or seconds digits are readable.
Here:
4:03
